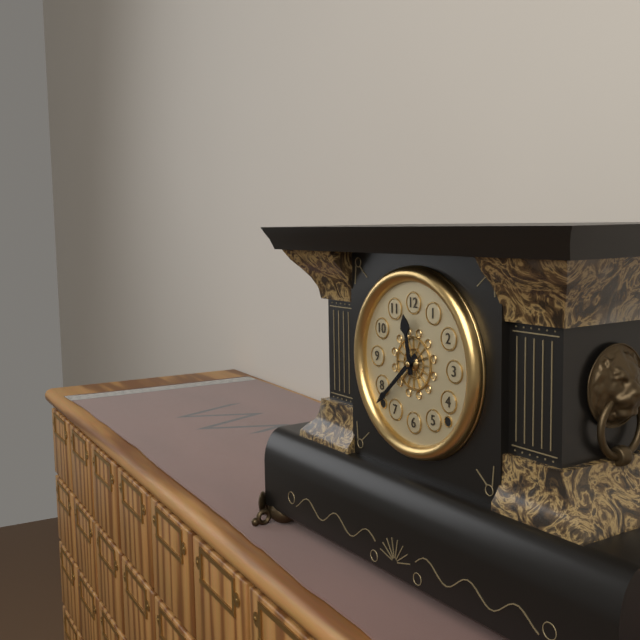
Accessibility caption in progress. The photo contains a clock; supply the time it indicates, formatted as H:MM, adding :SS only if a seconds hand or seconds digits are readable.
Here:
11:38
